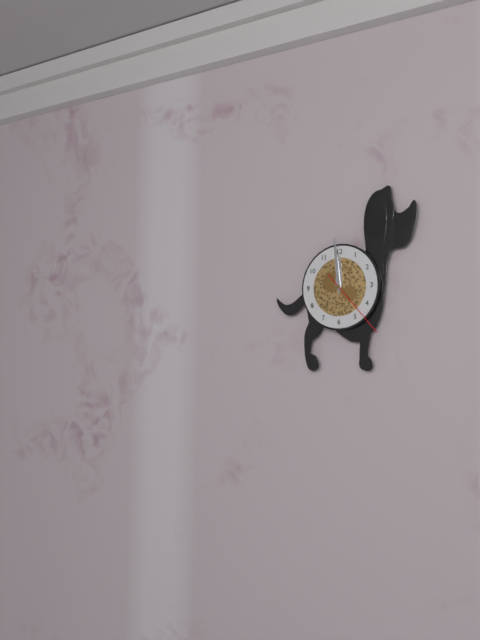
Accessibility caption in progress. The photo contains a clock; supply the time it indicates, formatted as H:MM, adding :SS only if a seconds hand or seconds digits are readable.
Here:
11:59:23
